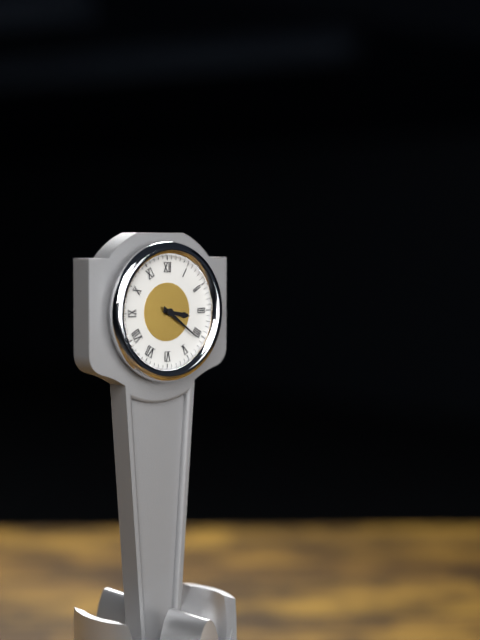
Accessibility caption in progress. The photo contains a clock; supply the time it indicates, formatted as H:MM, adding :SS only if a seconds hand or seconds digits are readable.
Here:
3:21
